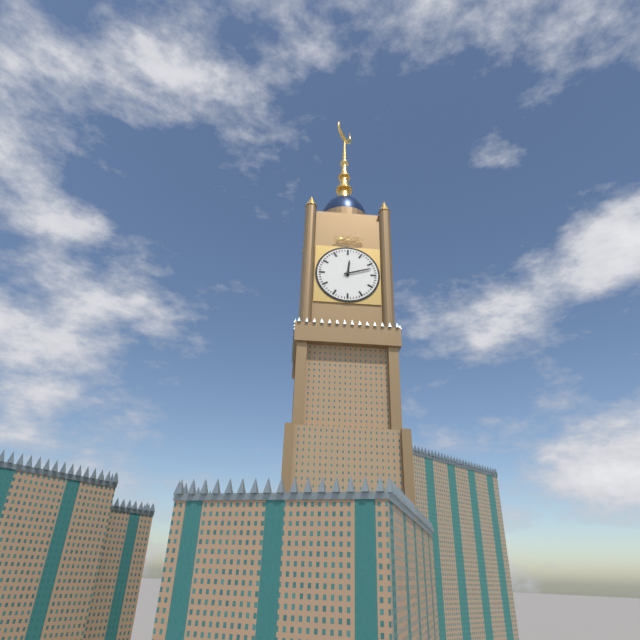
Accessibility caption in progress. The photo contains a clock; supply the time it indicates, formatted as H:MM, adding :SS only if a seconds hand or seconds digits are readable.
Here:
12:12
